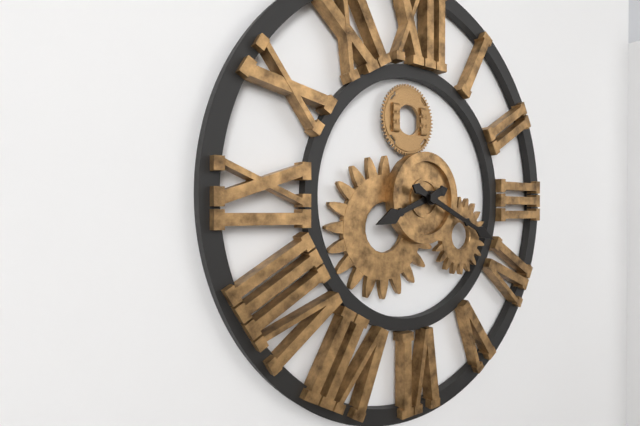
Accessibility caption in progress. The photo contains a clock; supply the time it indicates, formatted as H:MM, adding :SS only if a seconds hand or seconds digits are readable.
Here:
8:19
